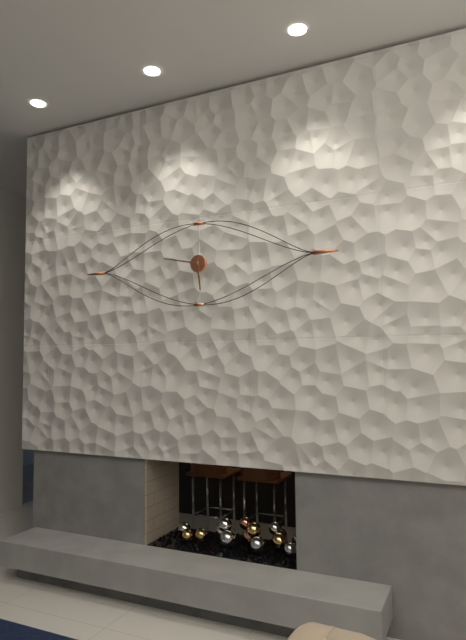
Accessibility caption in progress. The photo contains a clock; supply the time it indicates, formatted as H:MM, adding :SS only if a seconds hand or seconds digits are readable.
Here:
5:47
